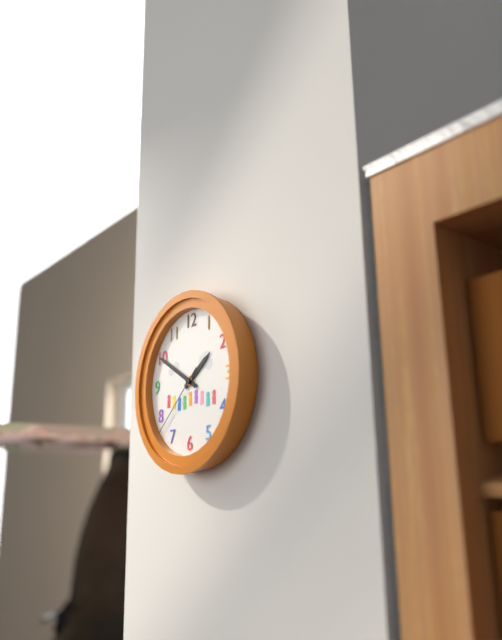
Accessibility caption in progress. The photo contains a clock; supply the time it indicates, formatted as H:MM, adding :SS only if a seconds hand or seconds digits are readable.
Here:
1:50:38
